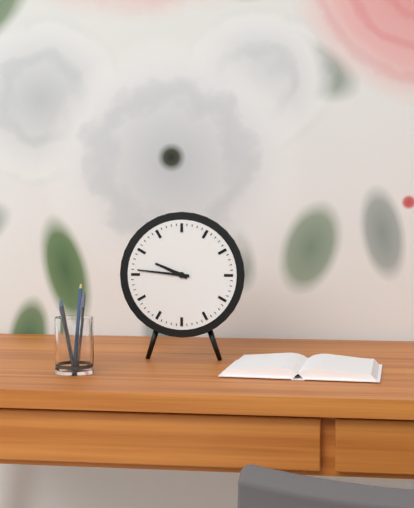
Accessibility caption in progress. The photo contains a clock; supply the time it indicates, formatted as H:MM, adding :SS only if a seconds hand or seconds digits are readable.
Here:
9:46
